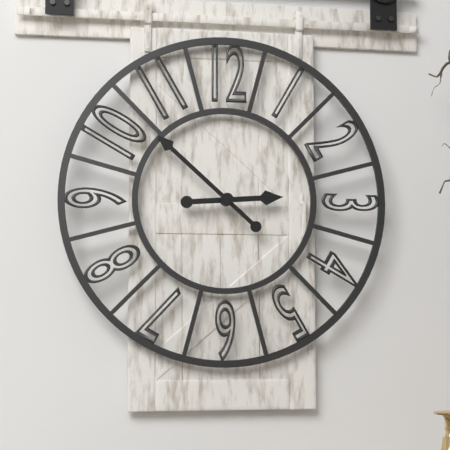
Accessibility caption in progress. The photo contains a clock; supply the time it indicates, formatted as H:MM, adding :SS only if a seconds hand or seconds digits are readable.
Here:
2:52
